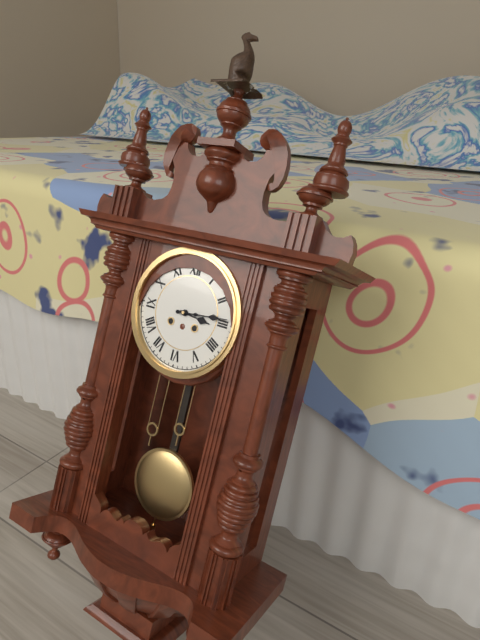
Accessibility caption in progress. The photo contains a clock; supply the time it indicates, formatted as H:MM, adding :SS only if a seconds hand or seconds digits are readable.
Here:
3:14
